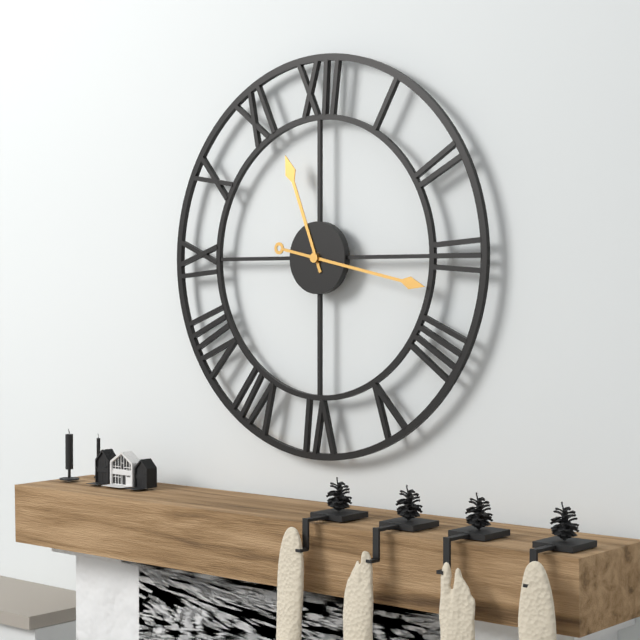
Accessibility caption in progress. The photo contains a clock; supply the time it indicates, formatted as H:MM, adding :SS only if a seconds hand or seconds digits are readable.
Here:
11:17
